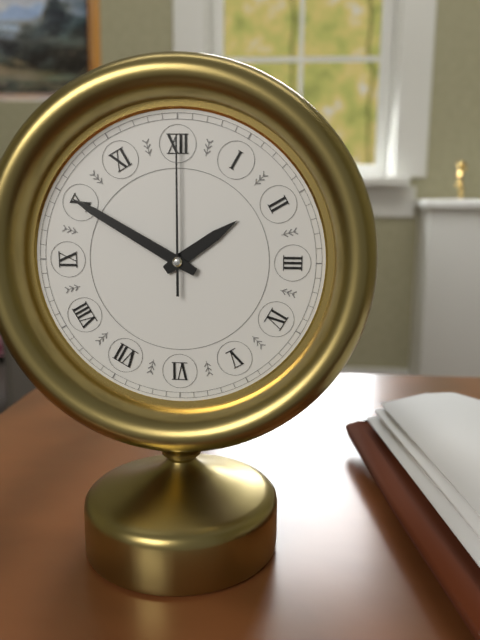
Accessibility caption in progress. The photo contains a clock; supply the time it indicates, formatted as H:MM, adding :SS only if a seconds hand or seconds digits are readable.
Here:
1:50:00
